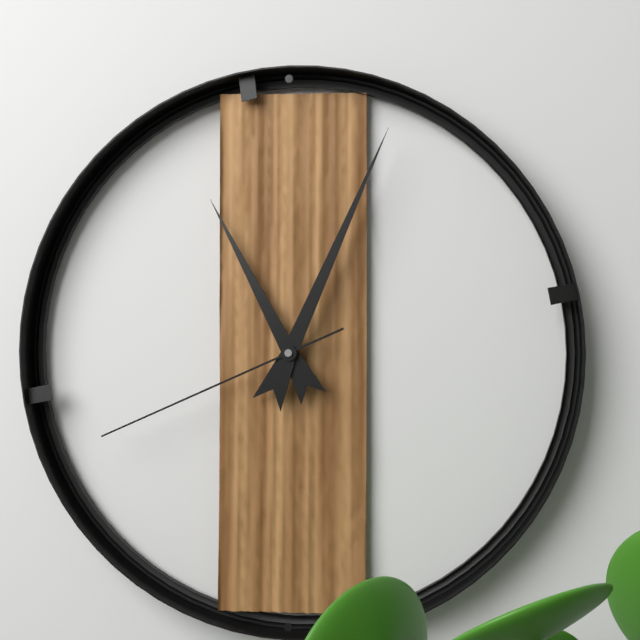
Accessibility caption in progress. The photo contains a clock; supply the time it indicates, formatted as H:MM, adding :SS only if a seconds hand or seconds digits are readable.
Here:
11:04:41
